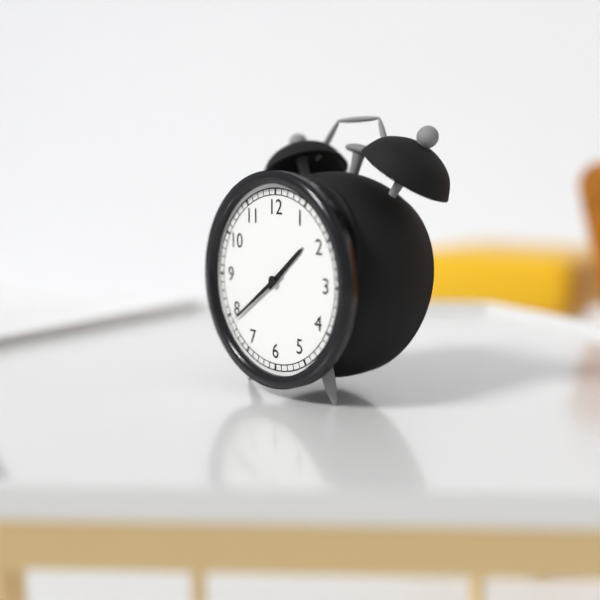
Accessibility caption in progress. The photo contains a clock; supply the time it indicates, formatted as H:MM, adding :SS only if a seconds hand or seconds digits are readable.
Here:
1:39
